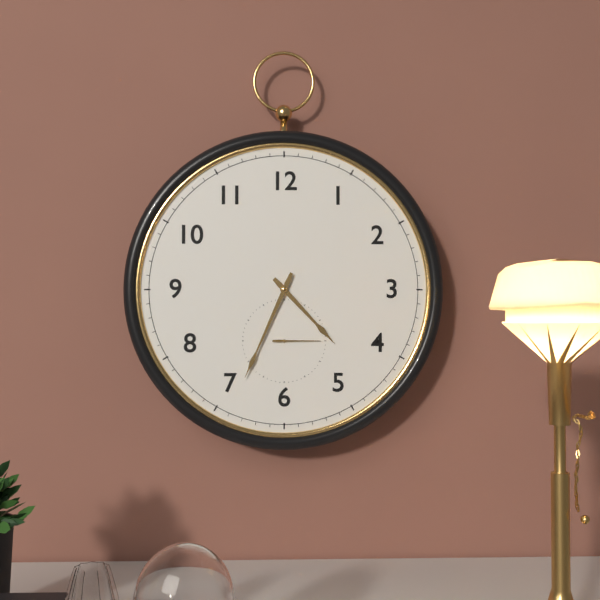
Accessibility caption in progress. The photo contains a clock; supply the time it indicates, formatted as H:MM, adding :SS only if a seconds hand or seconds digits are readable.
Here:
4:34
